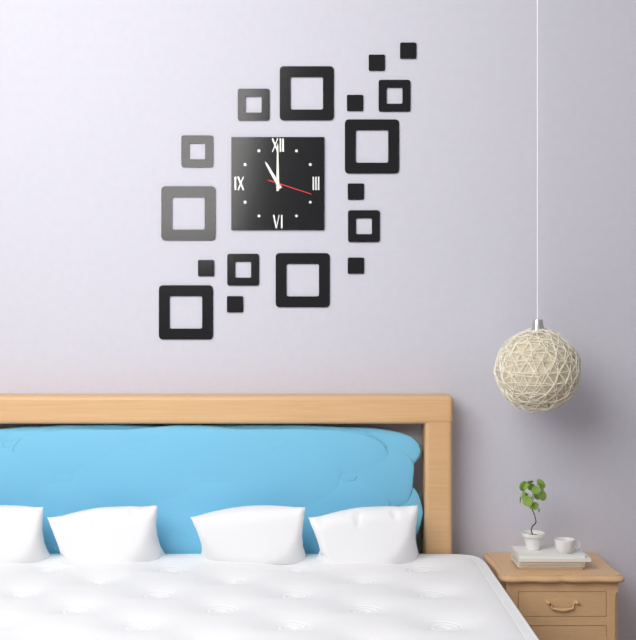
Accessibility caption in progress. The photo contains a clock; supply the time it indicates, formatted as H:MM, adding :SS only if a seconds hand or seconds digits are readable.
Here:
11:00
